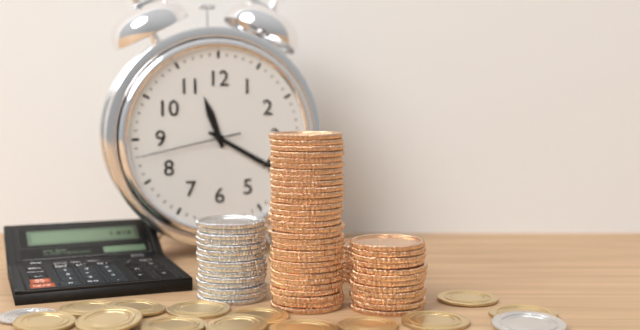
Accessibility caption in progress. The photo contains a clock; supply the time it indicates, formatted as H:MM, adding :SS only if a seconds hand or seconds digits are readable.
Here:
11:20:43
